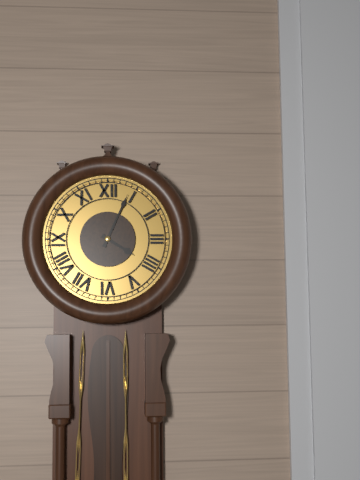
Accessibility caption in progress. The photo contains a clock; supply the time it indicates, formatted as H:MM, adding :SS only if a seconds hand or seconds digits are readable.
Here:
4:04
